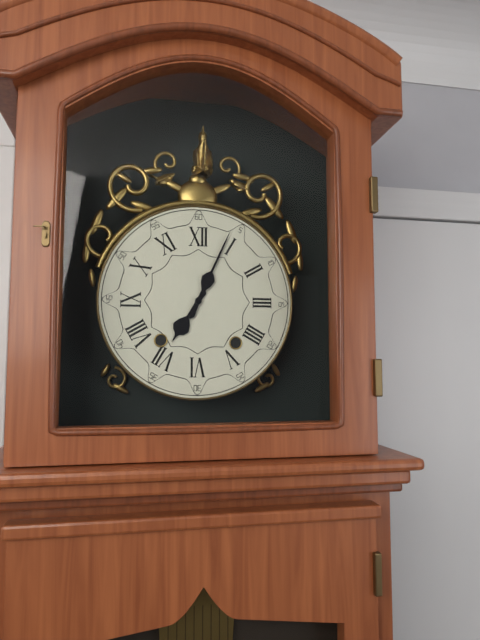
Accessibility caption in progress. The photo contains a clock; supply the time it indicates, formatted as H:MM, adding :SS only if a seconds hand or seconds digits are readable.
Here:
7:04
